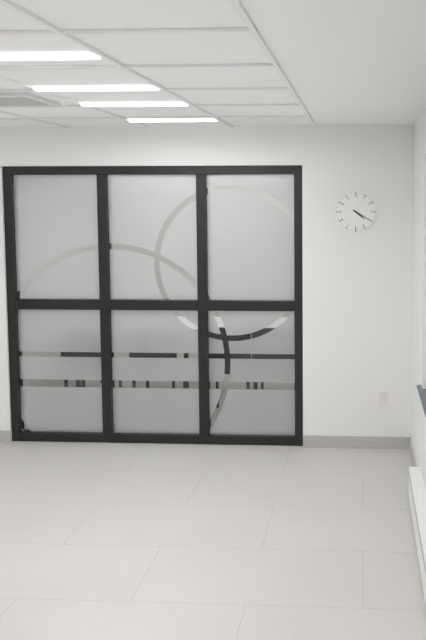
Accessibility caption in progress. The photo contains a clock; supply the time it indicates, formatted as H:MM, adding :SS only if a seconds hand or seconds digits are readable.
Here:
4:20
